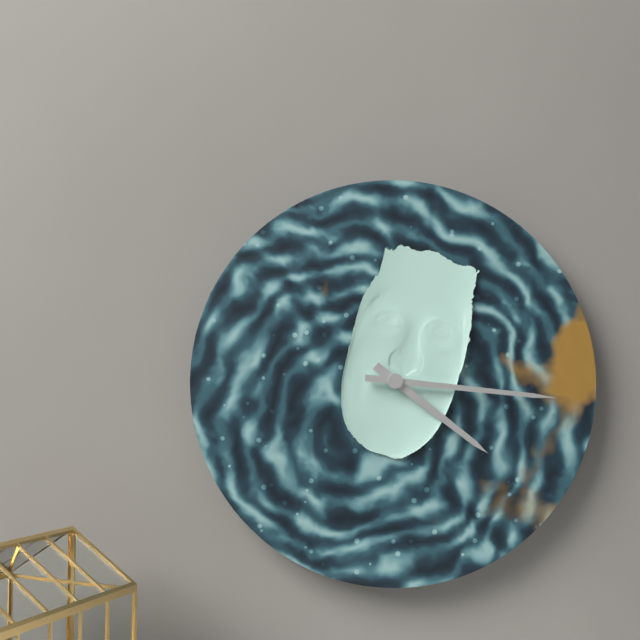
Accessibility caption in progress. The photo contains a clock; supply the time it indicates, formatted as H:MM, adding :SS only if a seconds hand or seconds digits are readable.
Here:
4:16
